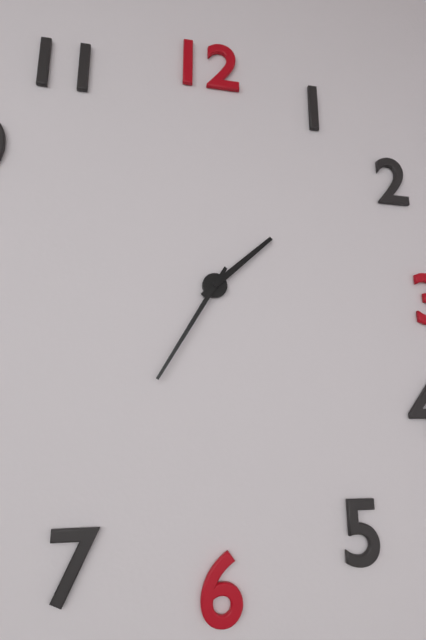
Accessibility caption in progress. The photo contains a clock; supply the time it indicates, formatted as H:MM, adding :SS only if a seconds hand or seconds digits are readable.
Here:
1:35
